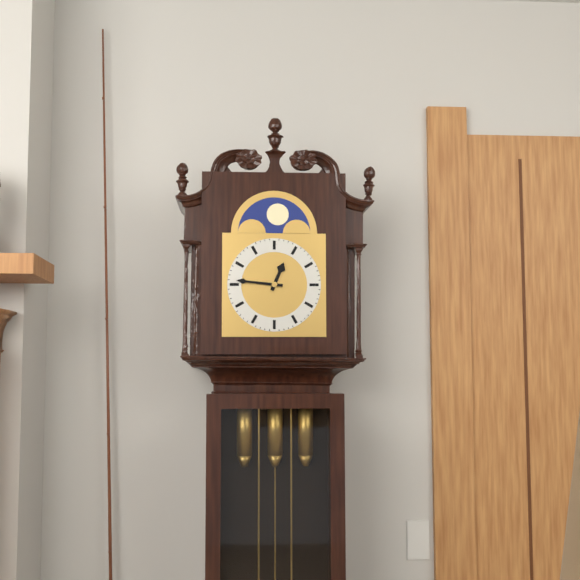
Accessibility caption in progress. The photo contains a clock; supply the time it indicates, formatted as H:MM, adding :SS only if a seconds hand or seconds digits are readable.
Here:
12:46
